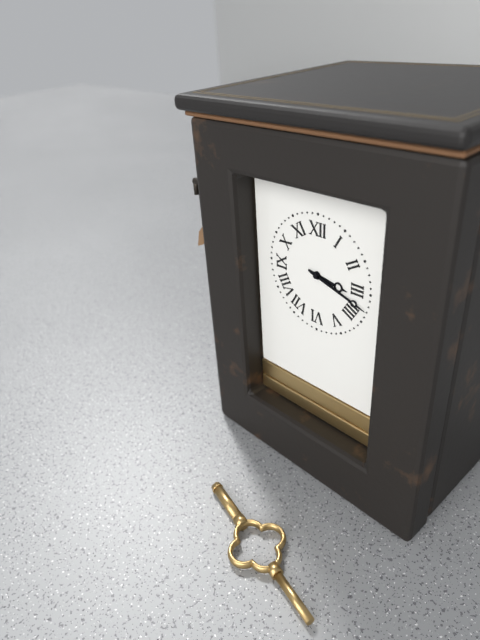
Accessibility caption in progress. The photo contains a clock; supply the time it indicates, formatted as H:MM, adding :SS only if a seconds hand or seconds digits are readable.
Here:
3:18
